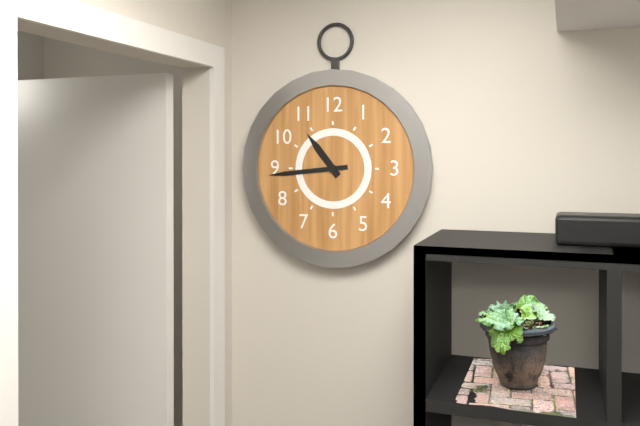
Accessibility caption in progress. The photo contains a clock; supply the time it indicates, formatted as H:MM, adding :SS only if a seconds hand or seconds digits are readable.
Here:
10:44
